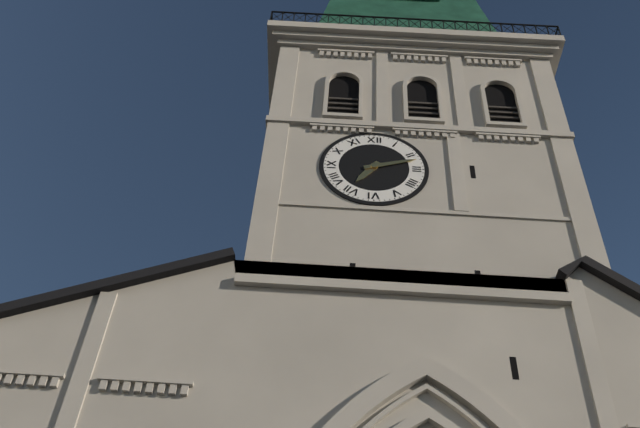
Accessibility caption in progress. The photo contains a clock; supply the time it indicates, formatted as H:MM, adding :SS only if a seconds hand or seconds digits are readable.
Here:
7:12
